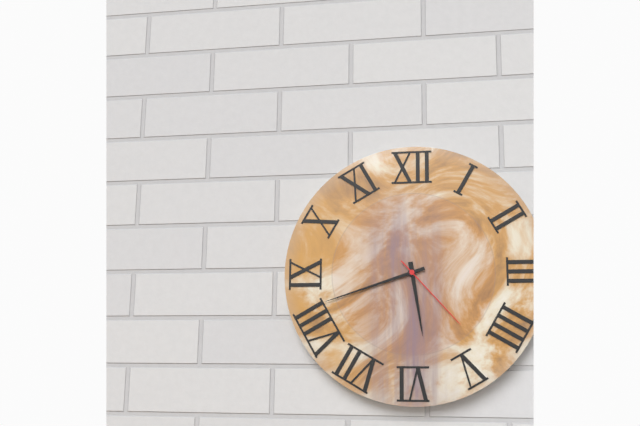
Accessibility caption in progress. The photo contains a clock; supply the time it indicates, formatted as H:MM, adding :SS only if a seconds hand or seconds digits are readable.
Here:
5:42:23
